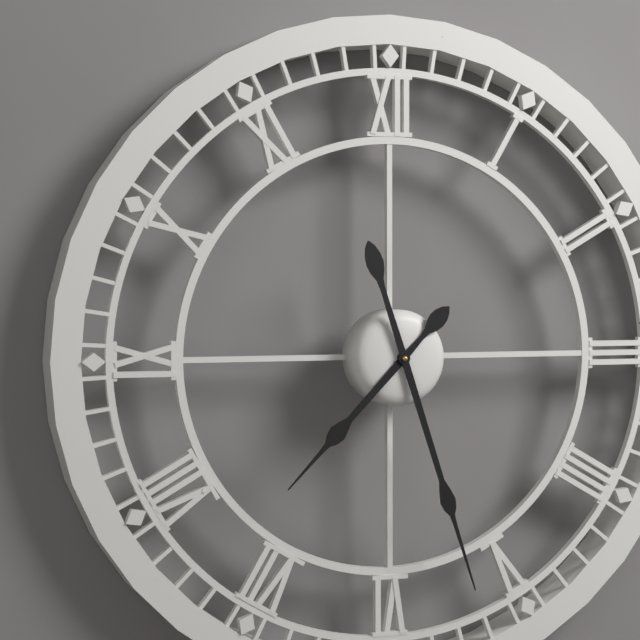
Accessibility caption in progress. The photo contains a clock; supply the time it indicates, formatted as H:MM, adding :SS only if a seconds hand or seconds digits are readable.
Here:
7:27
